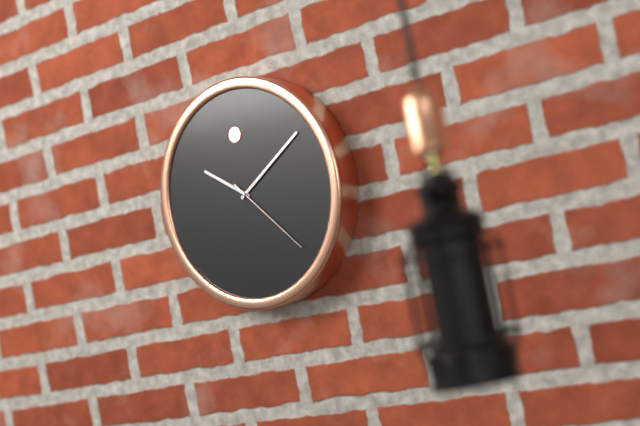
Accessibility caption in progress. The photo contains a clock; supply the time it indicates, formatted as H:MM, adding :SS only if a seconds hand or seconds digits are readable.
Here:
10:10:23
